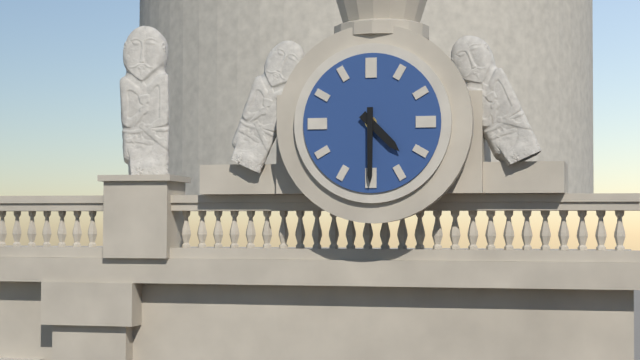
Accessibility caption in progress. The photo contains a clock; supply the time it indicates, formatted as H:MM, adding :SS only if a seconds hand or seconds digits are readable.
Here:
4:30
